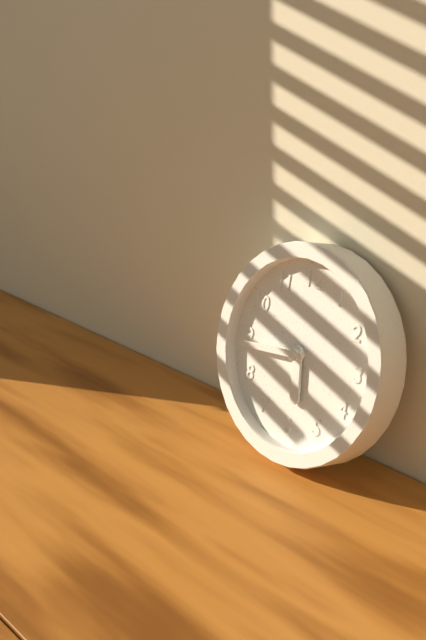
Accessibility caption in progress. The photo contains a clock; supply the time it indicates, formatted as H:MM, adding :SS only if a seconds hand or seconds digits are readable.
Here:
5:44
